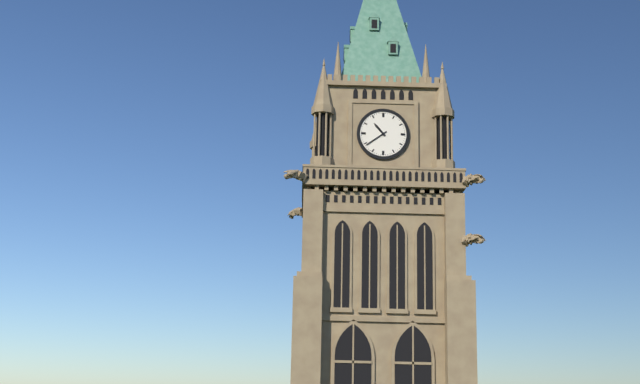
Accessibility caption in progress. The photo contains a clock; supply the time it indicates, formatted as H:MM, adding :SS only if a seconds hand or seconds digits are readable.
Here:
10:39
